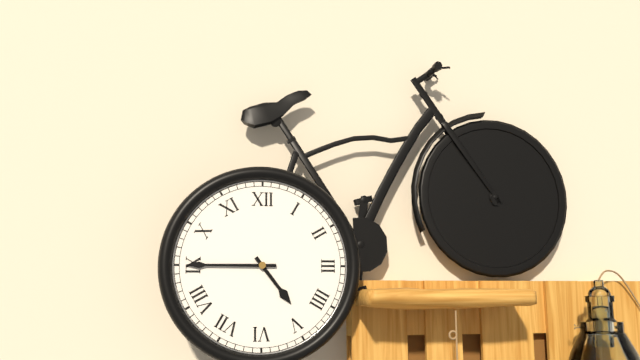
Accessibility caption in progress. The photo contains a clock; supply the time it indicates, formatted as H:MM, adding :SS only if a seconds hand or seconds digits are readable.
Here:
4:45
